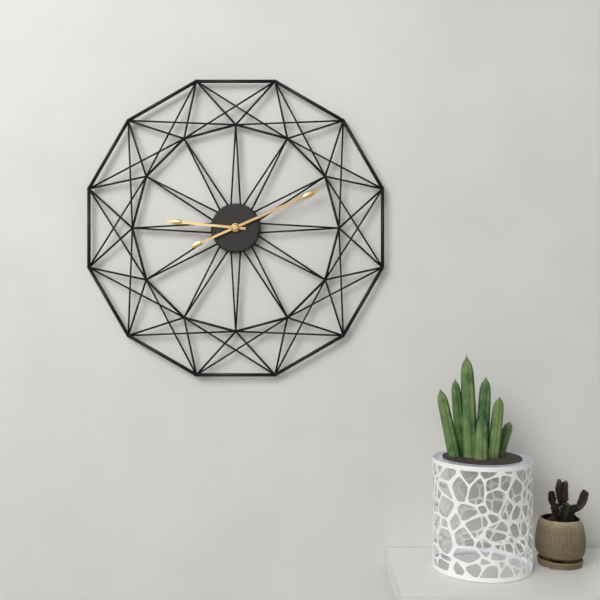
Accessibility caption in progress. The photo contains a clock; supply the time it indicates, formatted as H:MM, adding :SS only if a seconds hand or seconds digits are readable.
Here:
9:11
